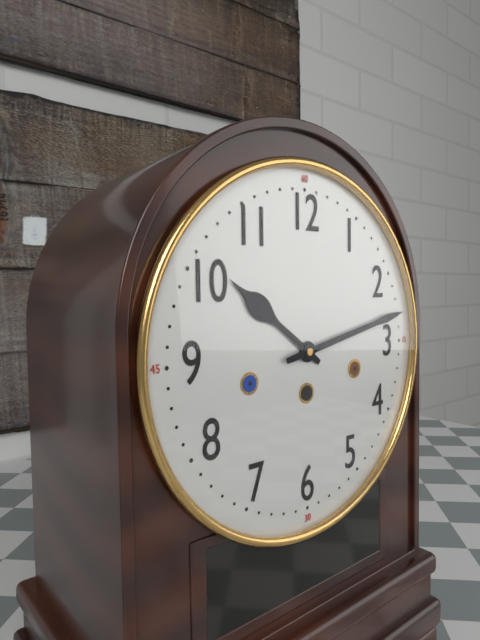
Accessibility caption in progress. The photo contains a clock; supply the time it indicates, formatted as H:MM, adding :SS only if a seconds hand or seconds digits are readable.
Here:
10:13
